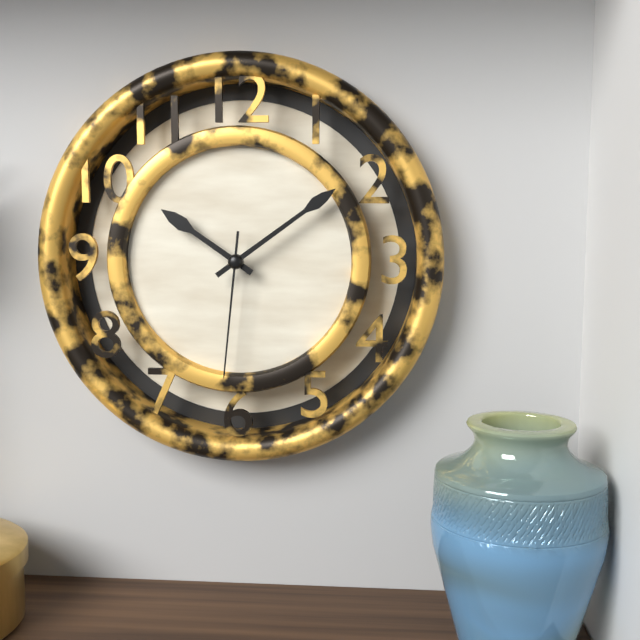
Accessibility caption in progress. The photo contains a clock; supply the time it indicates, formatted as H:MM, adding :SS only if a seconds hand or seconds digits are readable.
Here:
10:09:31
